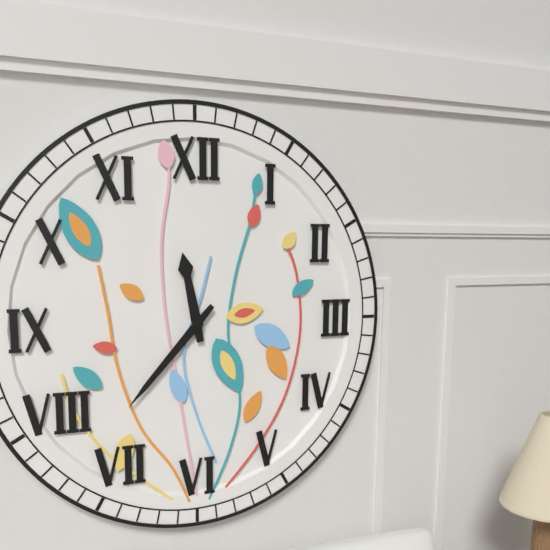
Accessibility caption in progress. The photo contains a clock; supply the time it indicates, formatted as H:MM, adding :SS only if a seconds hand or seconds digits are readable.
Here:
11:37
